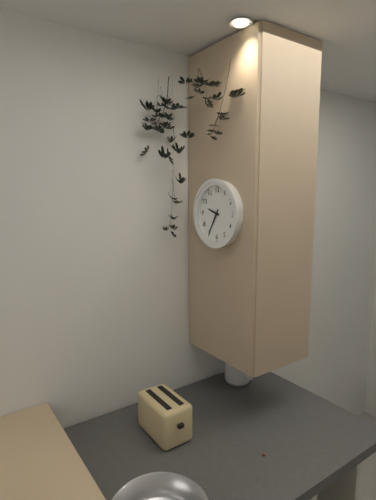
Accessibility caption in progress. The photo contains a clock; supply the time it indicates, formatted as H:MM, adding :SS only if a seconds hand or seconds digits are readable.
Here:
9:35
